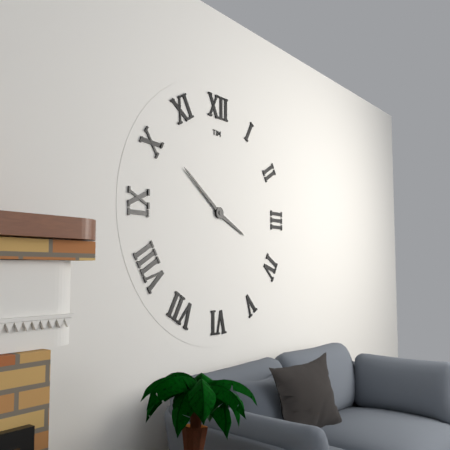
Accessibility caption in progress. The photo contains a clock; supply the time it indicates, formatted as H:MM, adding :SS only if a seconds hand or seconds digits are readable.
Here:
3:51
